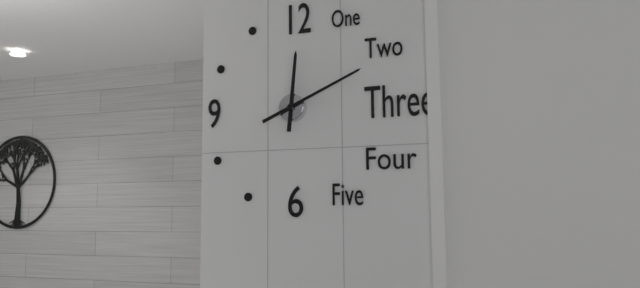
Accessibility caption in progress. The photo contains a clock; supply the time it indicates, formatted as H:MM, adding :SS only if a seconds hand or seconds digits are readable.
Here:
12:11
